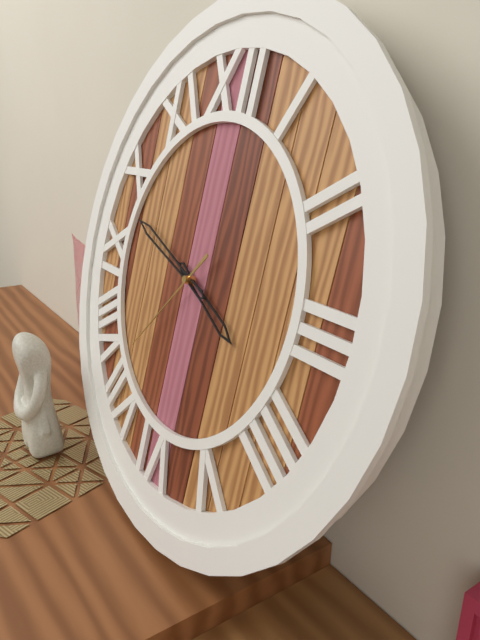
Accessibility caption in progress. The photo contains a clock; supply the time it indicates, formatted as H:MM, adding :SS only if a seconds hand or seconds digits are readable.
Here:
3:48:37
